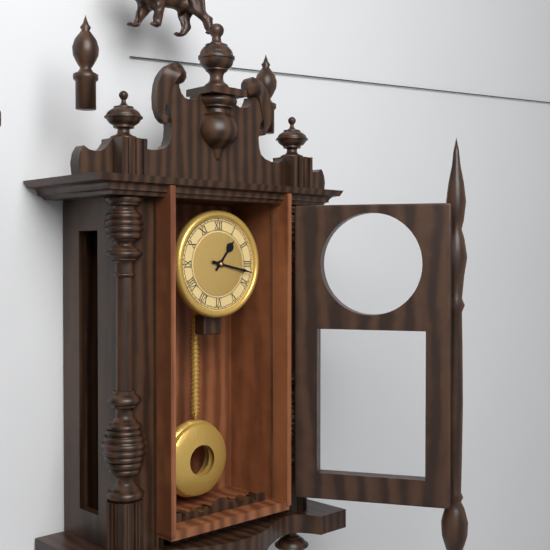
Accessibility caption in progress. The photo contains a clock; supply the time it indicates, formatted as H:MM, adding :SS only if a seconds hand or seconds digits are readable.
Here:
1:17
